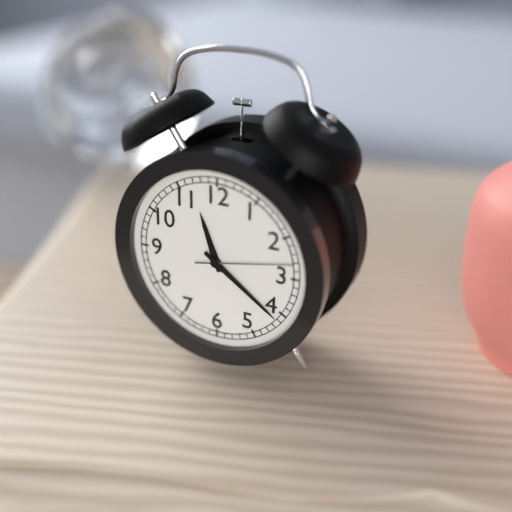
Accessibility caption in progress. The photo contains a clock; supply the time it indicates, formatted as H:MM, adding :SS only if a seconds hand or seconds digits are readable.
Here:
11:21:13
